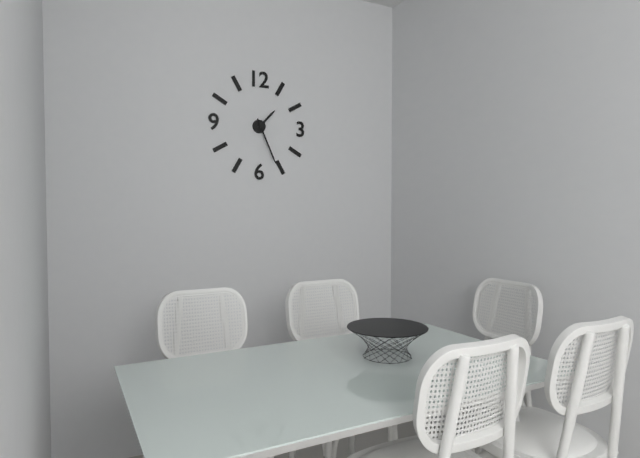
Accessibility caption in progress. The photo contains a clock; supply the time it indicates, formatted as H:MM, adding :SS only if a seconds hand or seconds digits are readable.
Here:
1:26
